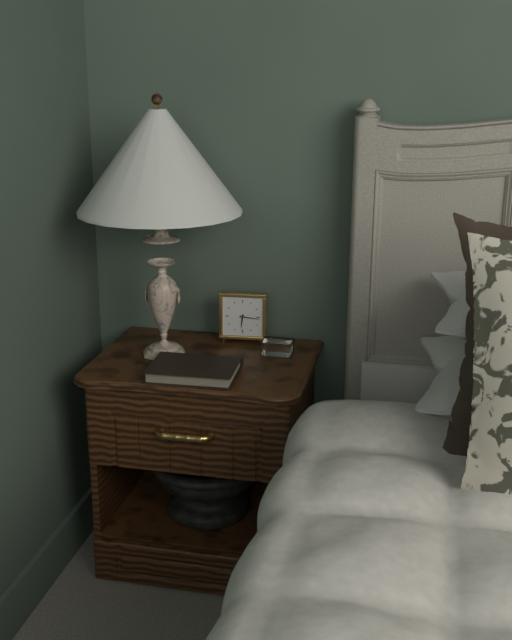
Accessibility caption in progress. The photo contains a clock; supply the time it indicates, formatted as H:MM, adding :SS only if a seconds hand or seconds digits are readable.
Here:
6:16
